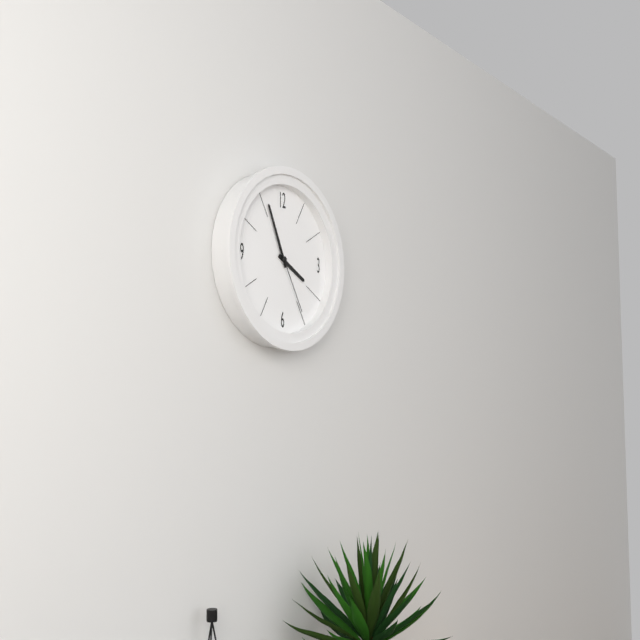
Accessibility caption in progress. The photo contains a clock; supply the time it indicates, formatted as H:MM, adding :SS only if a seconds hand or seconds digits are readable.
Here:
3:56:25
